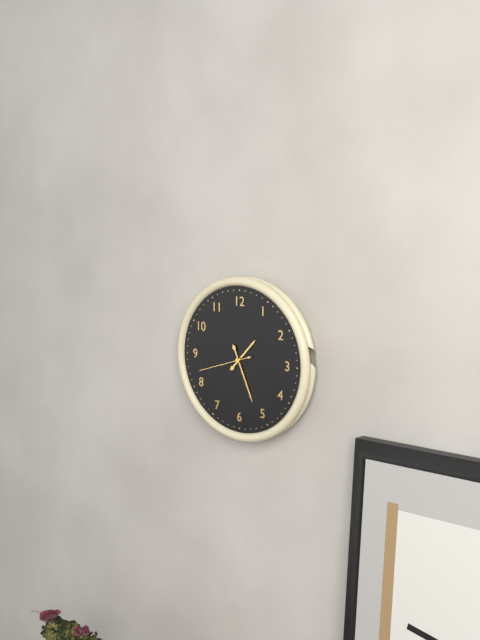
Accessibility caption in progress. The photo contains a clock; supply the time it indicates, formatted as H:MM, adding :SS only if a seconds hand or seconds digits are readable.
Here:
1:26:42
